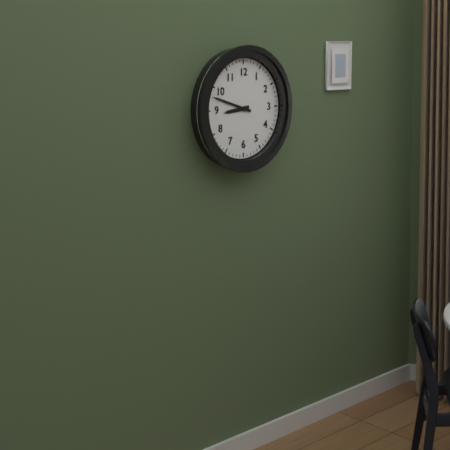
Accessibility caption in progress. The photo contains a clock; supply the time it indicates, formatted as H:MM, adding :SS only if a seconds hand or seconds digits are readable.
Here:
8:48
